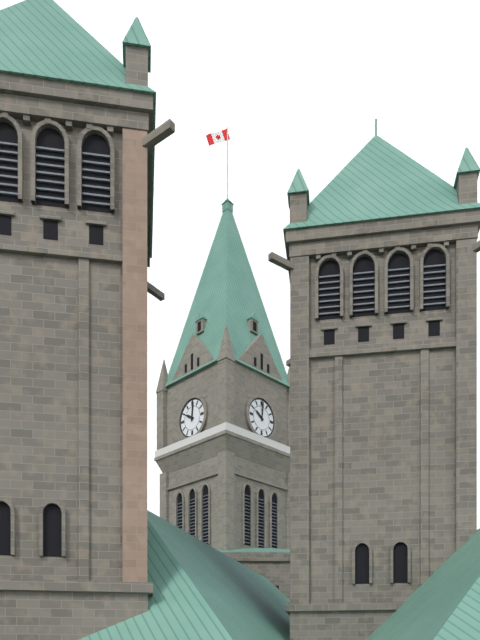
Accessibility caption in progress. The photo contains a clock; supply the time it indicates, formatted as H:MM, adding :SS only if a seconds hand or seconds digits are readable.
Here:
10:01
